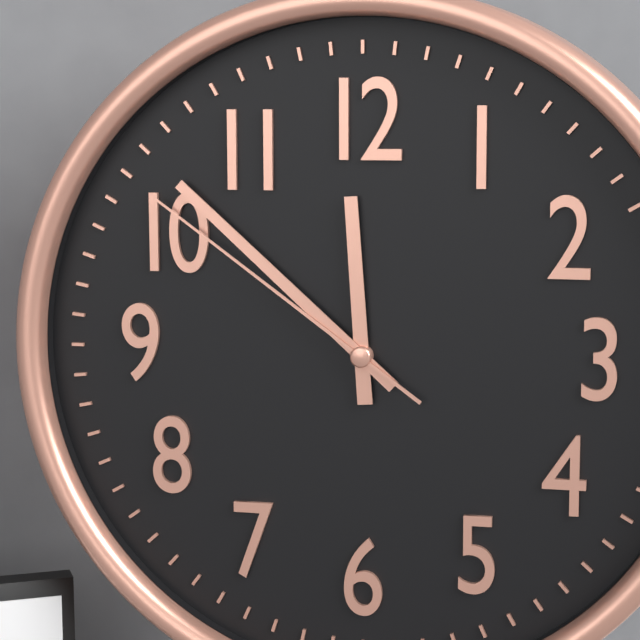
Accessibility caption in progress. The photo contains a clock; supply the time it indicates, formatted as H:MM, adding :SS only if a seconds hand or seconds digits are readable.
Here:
11:52:51
